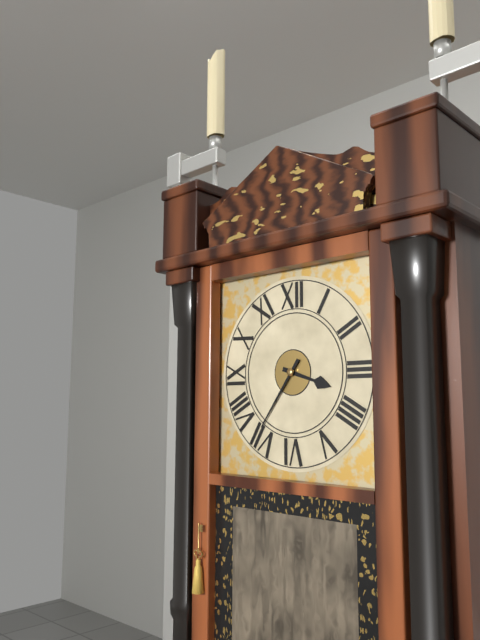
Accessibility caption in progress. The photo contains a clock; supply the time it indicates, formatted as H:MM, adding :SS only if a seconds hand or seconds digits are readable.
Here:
3:36
